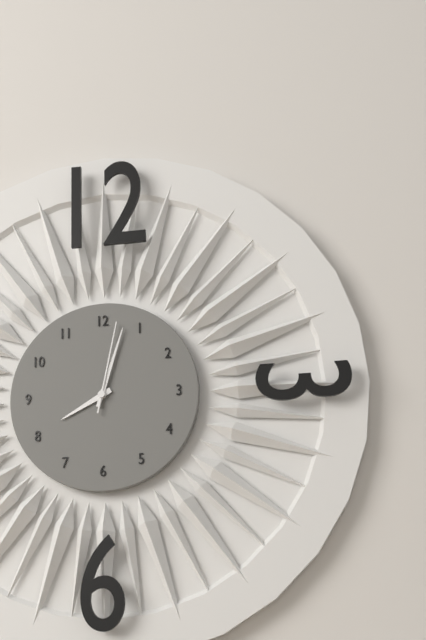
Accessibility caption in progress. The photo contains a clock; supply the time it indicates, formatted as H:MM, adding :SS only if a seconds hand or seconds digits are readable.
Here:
8:03:02
